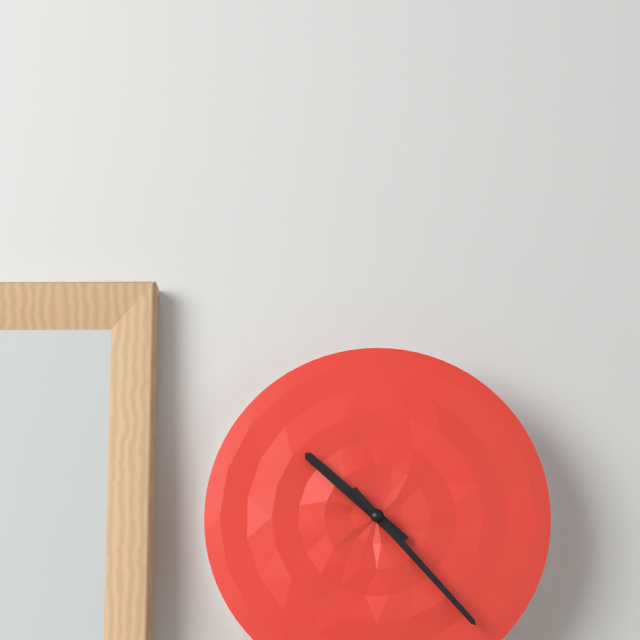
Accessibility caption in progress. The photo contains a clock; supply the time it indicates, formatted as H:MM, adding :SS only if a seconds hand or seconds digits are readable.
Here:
10:23
